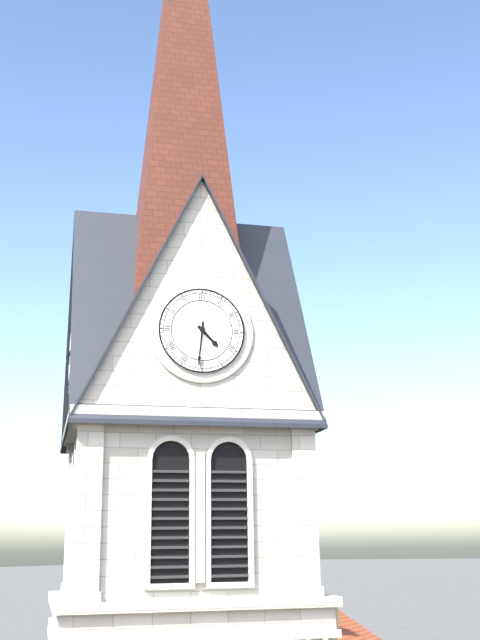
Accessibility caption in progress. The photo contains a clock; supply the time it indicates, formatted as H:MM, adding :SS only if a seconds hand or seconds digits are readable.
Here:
4:31
